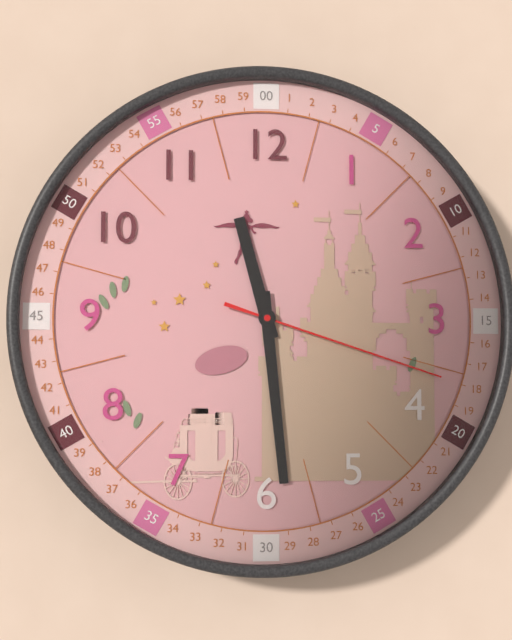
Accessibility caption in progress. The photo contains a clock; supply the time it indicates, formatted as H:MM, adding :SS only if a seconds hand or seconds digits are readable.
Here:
11:29:18
